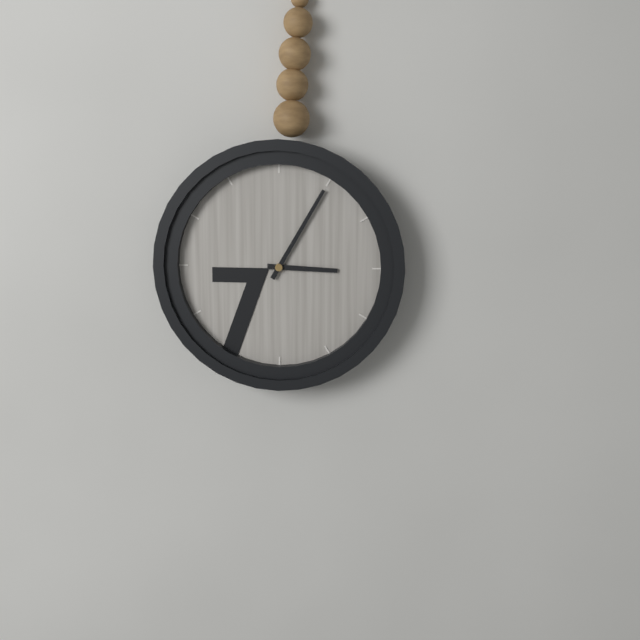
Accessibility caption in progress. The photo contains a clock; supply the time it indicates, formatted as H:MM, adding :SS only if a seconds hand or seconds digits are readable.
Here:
3:05
